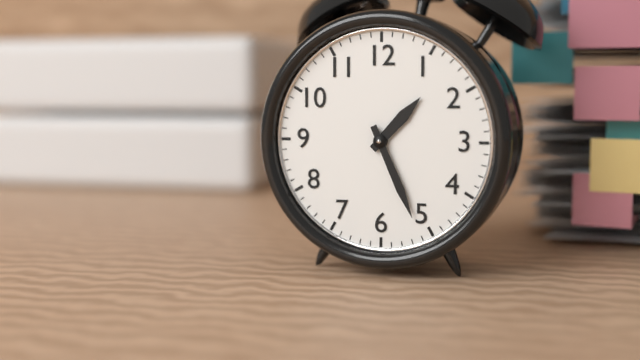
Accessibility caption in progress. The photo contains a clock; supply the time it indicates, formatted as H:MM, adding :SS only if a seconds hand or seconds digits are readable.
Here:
1:26
